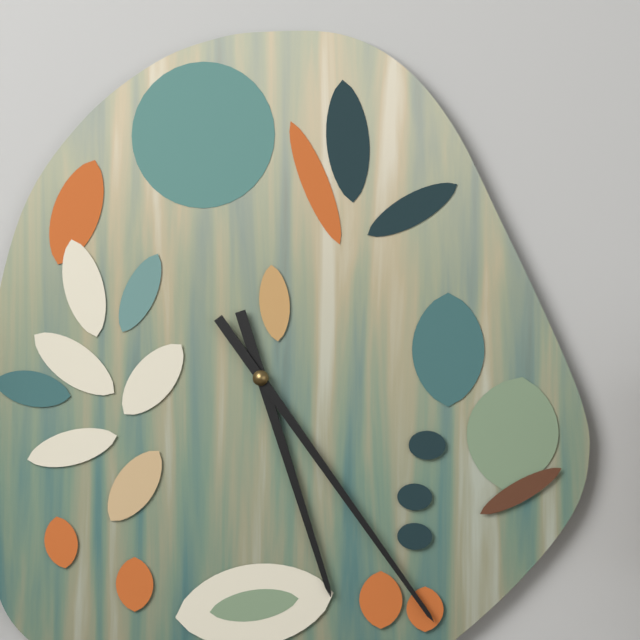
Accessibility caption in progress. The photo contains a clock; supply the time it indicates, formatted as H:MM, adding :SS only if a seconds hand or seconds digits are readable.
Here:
5:24
